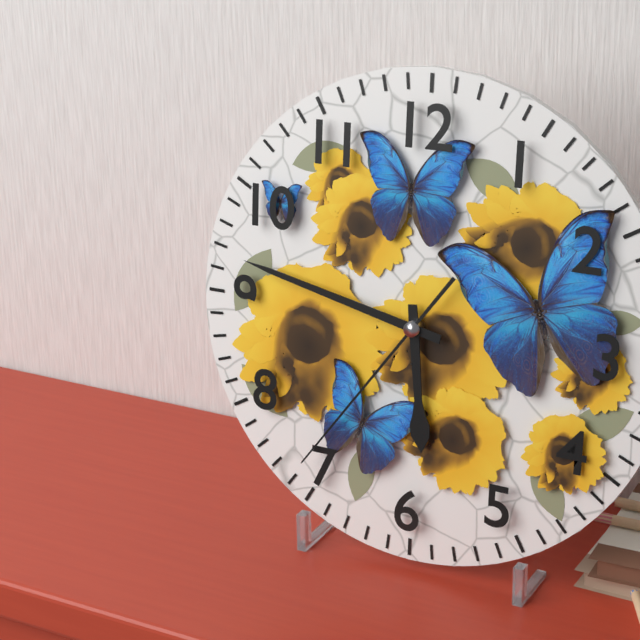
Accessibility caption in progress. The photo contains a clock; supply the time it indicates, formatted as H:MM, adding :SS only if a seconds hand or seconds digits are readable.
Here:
5:47:36
